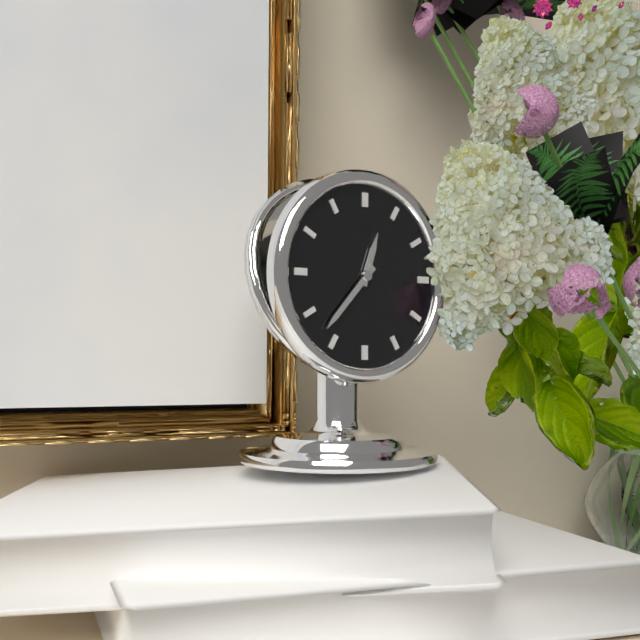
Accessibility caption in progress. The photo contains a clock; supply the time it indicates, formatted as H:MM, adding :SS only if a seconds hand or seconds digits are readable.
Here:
12:37
